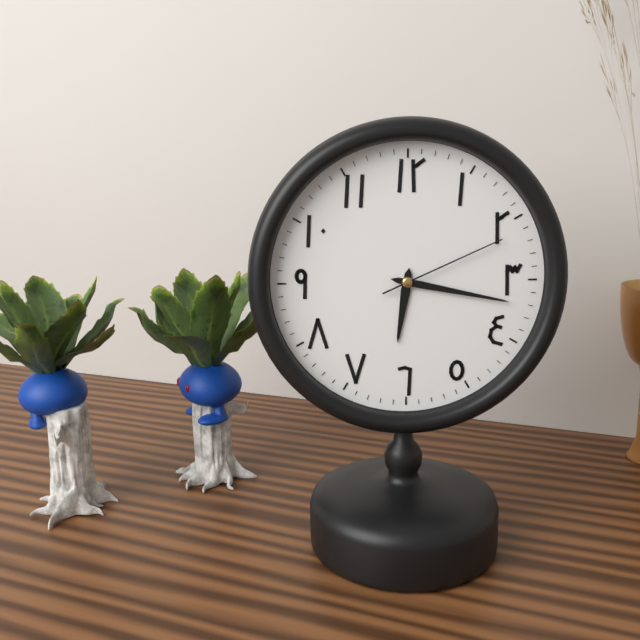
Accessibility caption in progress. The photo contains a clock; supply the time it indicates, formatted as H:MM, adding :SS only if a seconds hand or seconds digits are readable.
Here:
6:17:11
